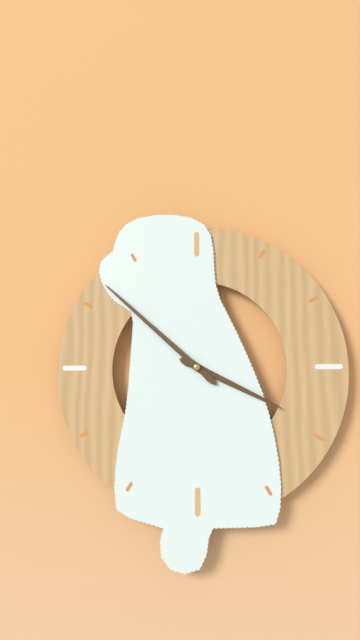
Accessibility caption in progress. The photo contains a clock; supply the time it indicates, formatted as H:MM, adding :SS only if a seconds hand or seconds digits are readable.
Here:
3:52
